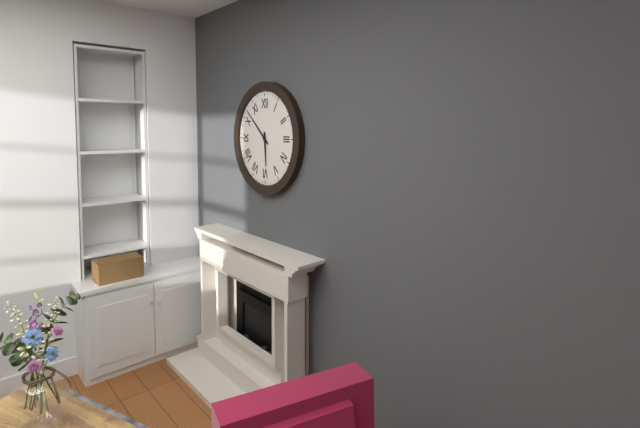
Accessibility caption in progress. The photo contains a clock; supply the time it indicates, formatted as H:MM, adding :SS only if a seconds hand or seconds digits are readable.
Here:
5:52
